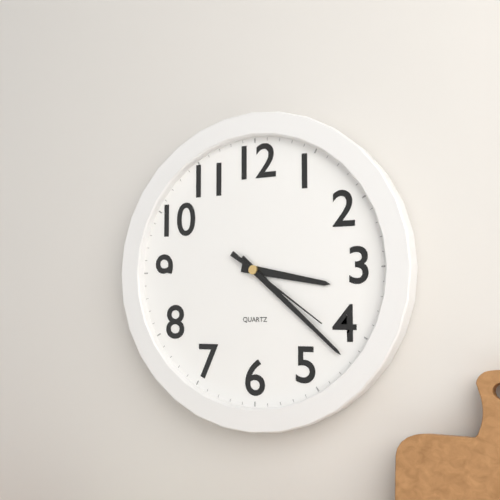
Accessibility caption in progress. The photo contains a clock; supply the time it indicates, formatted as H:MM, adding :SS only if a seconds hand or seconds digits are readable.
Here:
3:22:21
